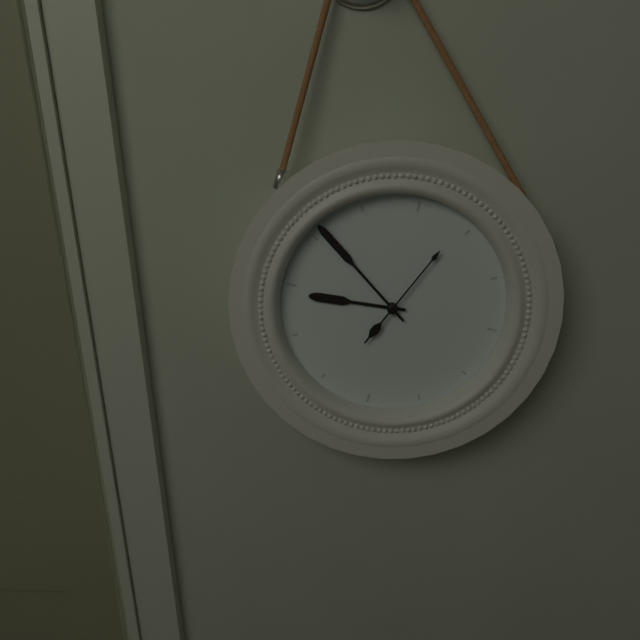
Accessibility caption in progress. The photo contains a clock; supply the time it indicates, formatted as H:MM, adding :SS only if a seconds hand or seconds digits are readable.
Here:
8:51:04
